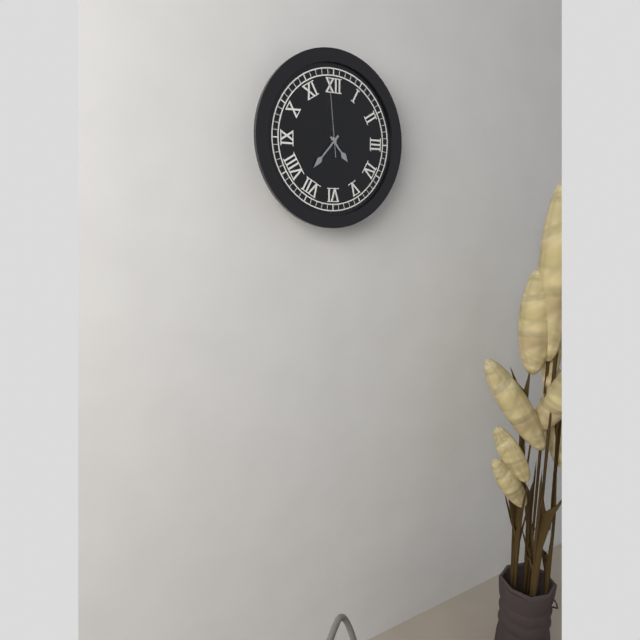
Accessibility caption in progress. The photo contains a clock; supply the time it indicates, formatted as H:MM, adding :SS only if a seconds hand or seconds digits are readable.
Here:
4:37:59
